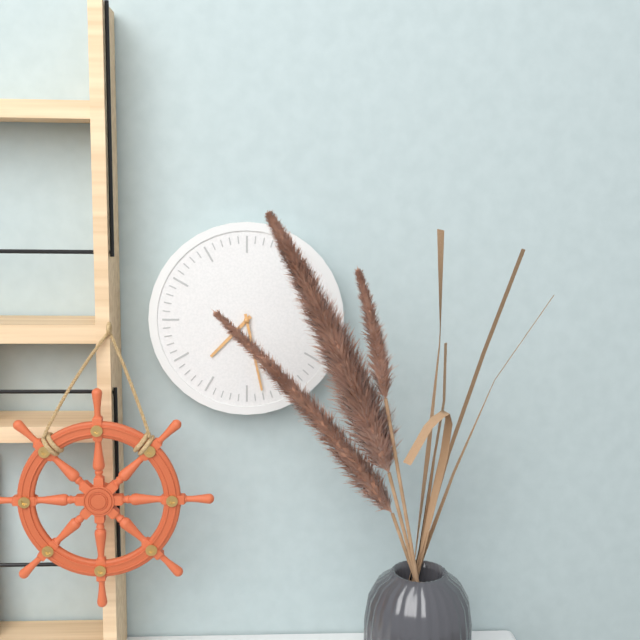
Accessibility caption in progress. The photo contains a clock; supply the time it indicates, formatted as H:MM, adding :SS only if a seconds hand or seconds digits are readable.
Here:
7:28
